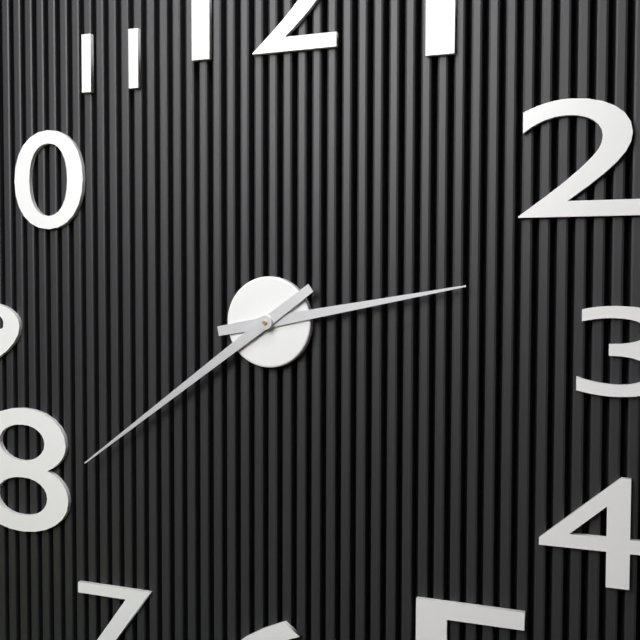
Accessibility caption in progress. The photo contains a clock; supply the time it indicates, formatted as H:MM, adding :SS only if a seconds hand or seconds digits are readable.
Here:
2:39
